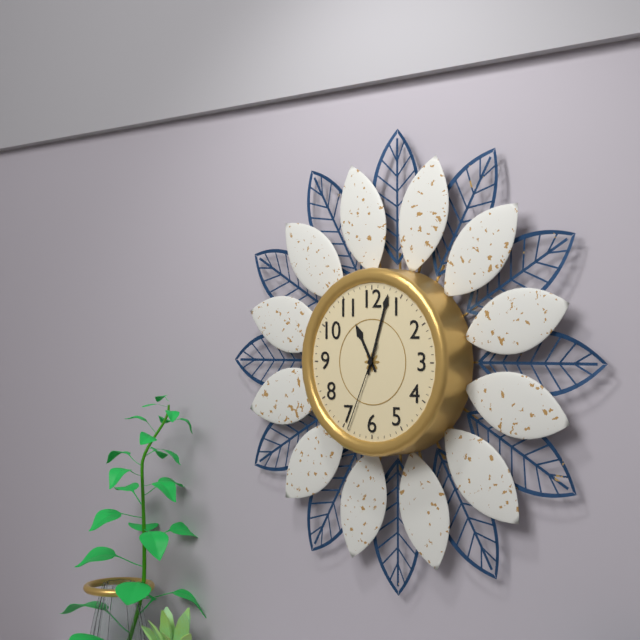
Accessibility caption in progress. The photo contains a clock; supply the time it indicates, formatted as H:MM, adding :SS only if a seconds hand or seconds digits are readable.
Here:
11:03:34
